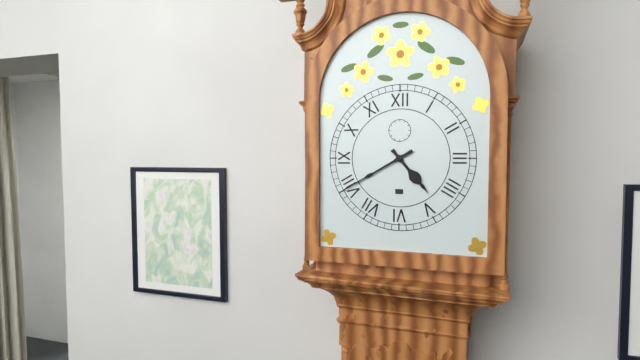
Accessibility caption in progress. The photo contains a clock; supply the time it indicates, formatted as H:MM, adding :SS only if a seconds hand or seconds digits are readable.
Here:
4:40
